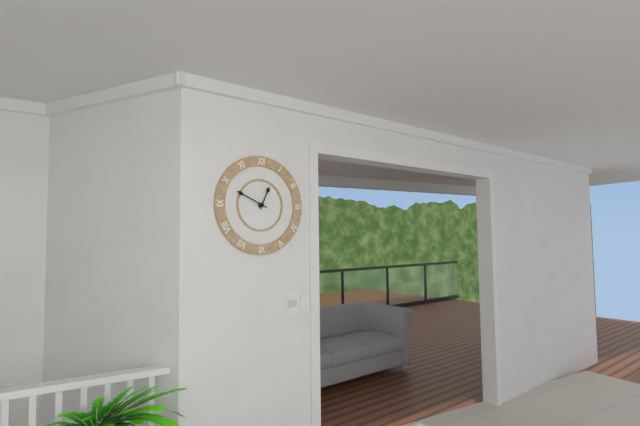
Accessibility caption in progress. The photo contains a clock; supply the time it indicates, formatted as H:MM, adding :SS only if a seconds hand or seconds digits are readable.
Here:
12:49
